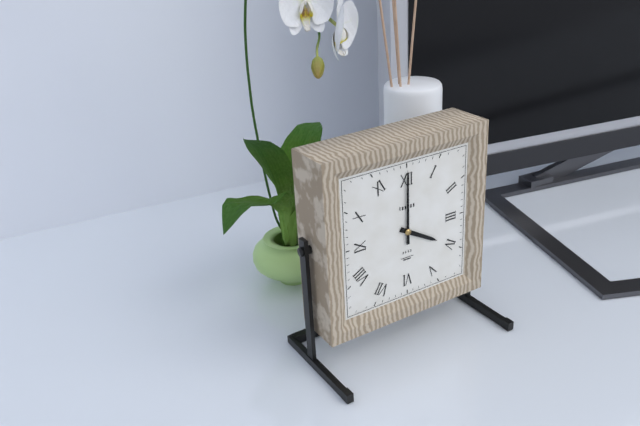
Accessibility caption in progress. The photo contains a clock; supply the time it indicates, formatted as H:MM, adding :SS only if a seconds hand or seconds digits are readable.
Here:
4:00
